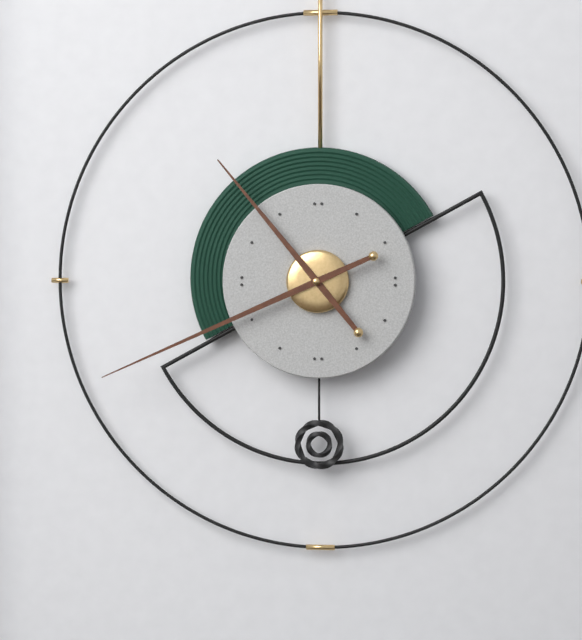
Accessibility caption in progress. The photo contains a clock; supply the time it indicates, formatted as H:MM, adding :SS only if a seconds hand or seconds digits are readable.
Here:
10:41
